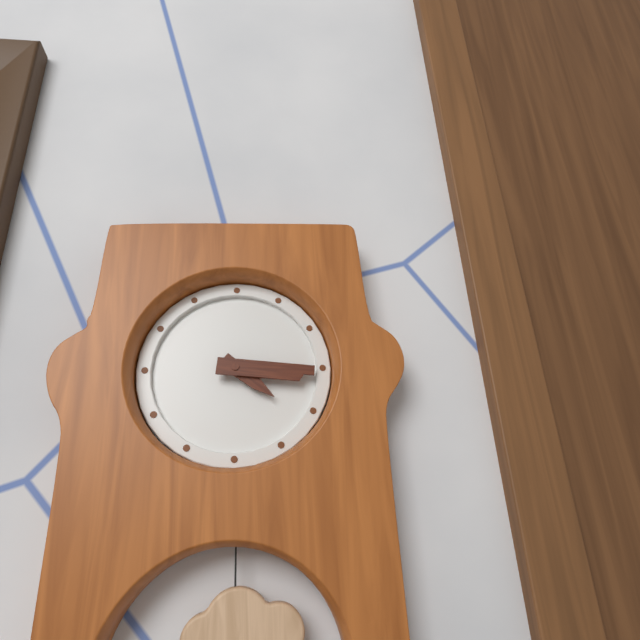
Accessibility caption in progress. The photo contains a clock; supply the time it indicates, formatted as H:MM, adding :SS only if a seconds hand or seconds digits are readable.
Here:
4:16
